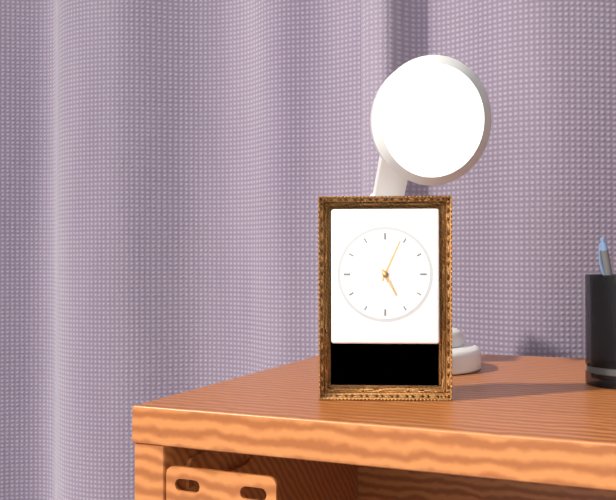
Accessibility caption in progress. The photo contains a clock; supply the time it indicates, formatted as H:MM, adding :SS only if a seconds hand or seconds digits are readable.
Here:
5:04
